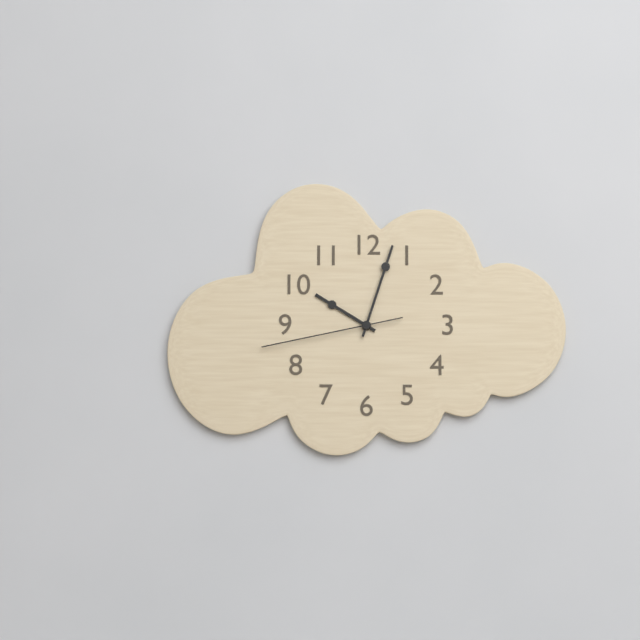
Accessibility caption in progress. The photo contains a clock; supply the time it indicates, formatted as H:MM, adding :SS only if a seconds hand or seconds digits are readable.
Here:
10:03:43
